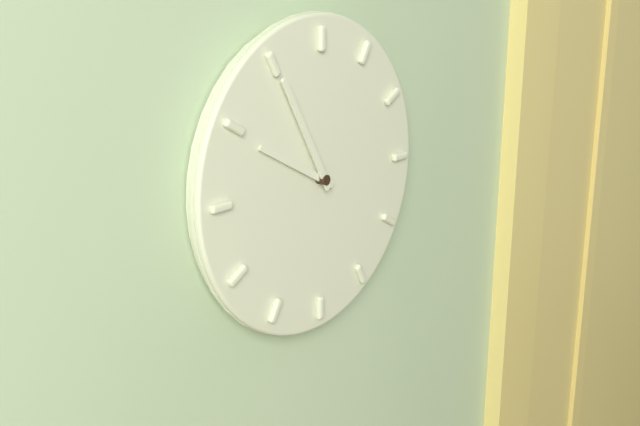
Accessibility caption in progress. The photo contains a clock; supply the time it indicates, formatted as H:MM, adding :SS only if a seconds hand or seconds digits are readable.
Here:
9:55
